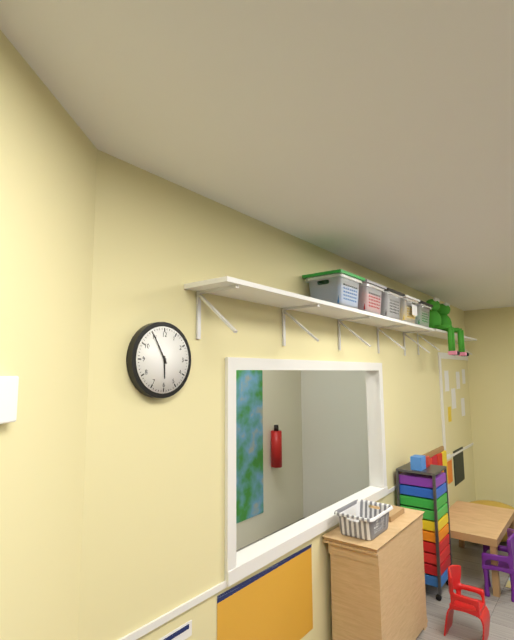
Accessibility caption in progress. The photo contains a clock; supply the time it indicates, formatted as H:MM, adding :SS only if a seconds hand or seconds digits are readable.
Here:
5:55
